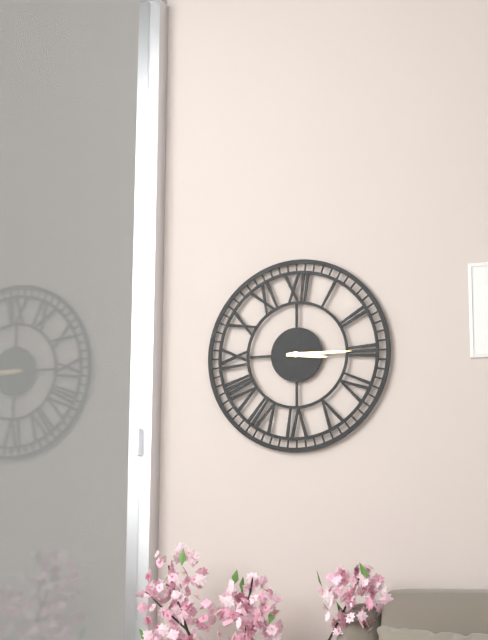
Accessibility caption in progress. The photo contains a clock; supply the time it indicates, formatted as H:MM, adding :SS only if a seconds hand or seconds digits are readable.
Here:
3:15
